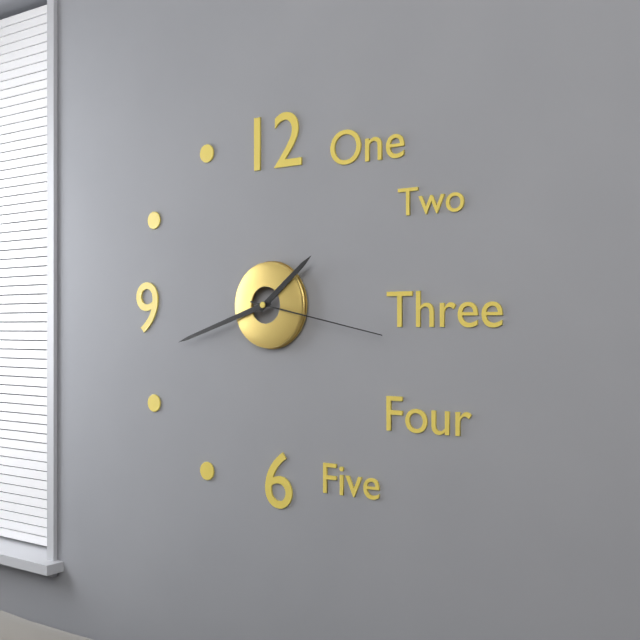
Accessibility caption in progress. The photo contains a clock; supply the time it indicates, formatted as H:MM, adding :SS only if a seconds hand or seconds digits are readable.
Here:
1:42:17
